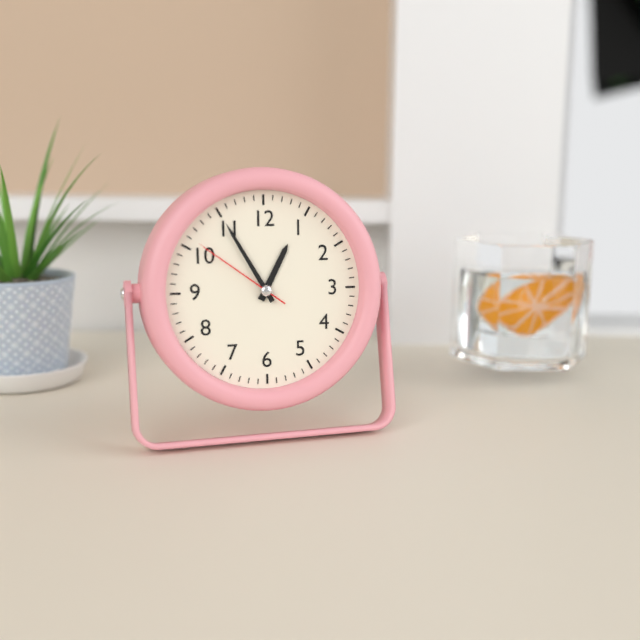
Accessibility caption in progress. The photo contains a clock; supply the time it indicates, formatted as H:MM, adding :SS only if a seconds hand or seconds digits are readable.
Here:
12:55:51
